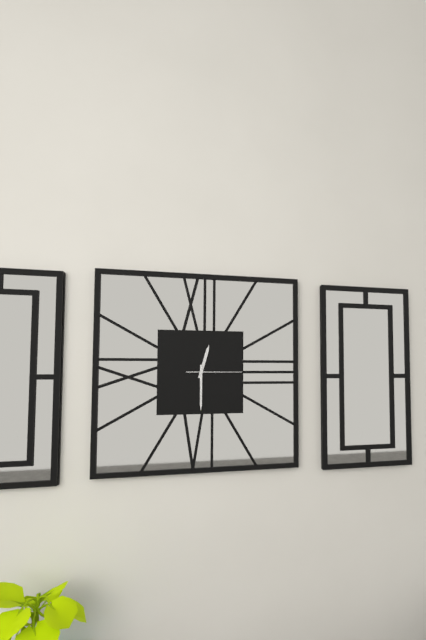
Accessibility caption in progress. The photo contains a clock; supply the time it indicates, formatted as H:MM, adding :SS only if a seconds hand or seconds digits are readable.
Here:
12:30:15
